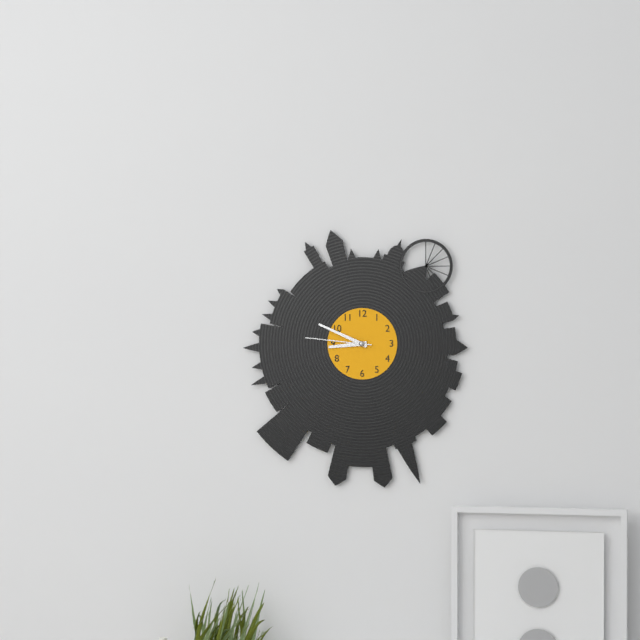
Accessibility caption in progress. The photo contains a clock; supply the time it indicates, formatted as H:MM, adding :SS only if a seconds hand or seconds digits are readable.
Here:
8:49:46
